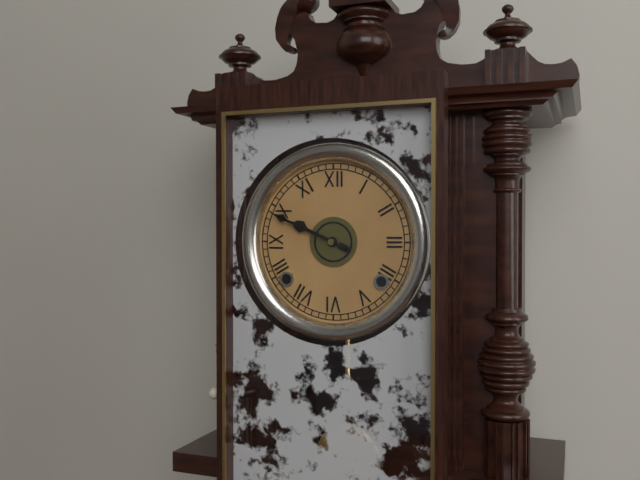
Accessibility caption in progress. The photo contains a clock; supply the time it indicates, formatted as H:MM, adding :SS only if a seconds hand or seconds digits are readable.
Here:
9:49
